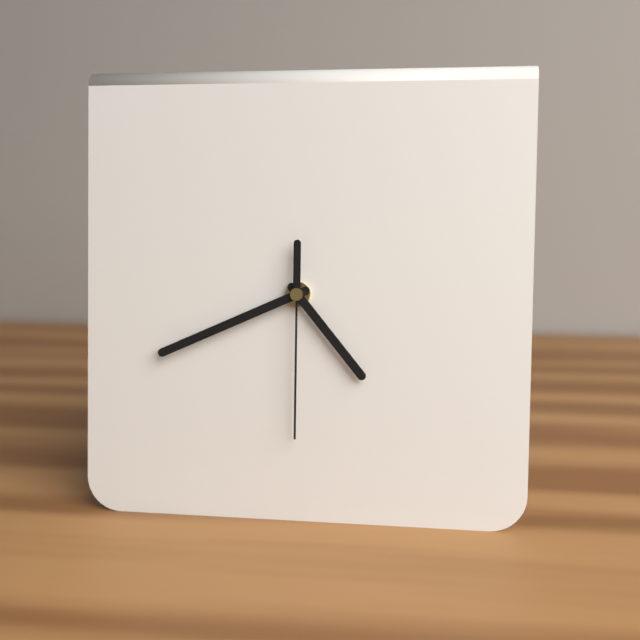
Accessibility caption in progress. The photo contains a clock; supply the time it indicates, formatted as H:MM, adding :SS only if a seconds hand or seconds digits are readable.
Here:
4:41:30
